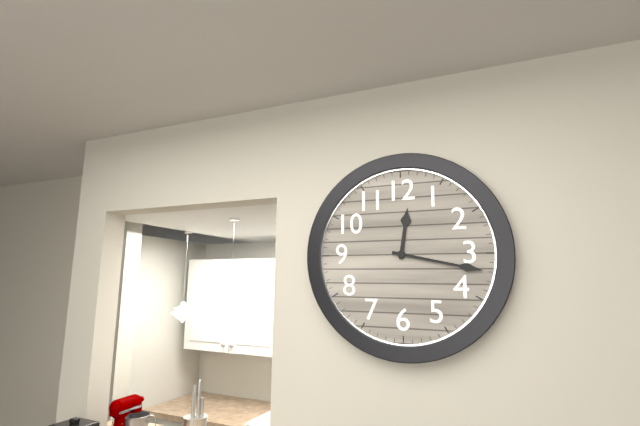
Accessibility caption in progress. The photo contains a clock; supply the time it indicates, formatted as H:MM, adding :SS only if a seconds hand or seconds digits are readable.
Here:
12:17
